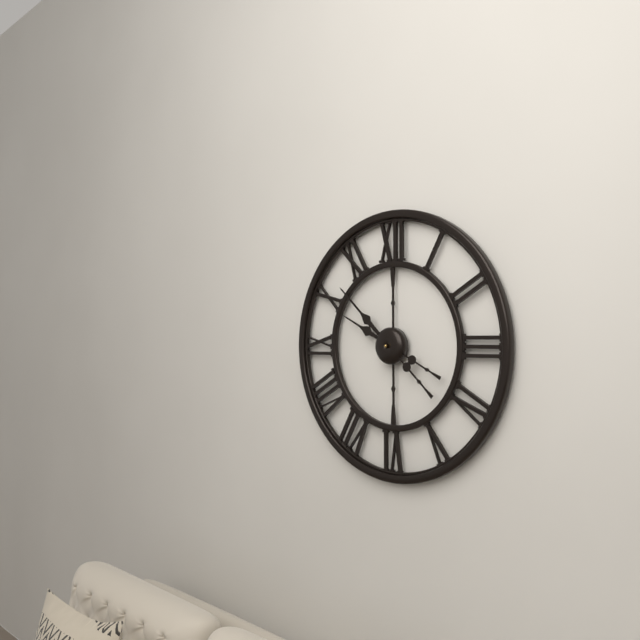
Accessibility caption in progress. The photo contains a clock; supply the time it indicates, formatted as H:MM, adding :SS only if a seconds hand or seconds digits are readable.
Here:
9:52
